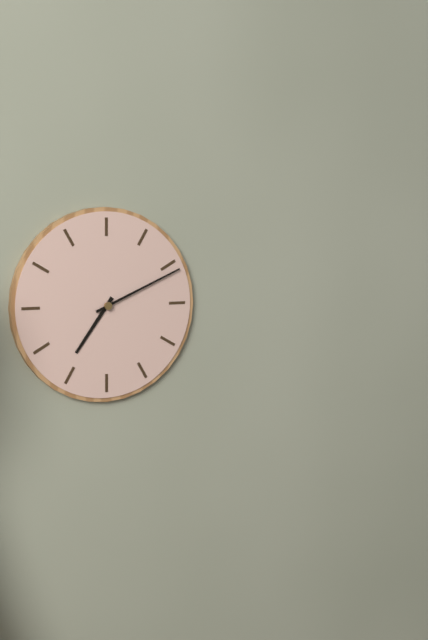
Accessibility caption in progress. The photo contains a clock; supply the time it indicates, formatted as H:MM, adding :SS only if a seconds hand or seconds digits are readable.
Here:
7:11
